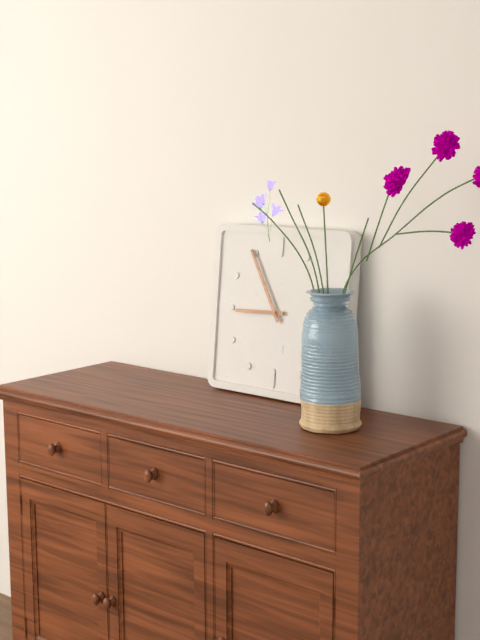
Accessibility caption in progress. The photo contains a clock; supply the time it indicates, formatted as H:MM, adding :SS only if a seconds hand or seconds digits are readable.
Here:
8:55
